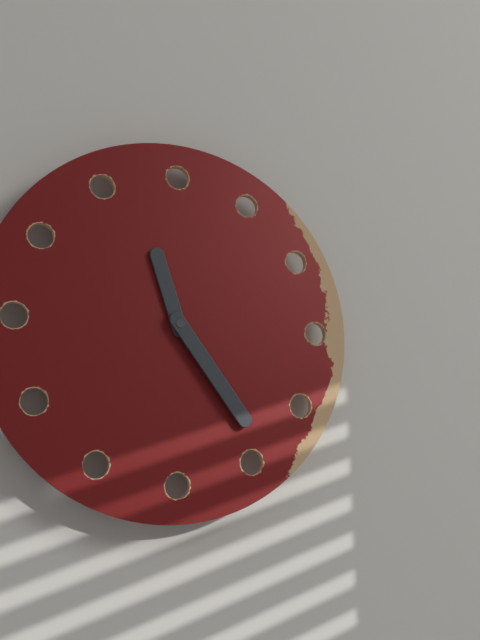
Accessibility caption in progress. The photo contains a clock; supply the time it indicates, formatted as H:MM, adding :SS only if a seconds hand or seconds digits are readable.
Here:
11:24
